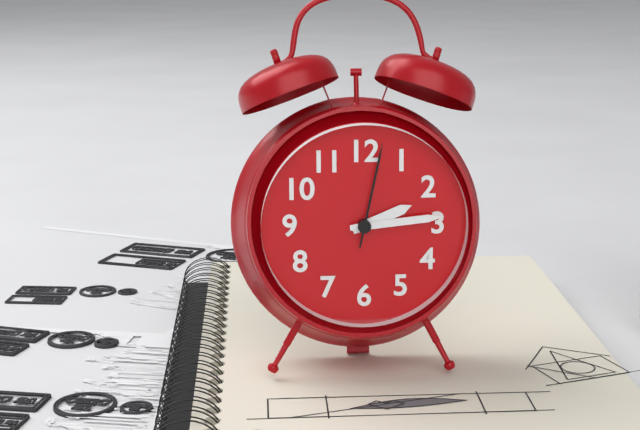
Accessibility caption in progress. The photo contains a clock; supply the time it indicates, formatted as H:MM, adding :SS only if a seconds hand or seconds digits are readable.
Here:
2:14:02
